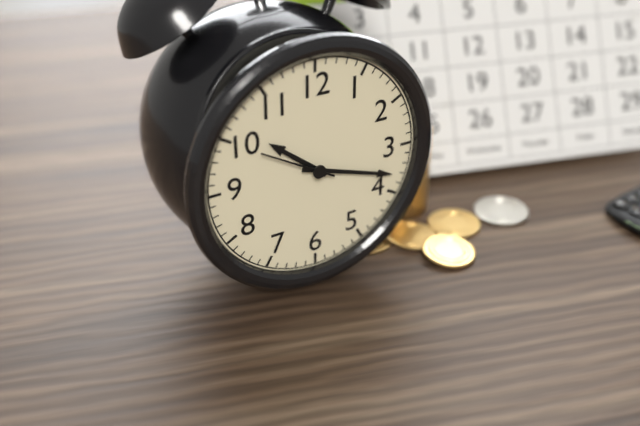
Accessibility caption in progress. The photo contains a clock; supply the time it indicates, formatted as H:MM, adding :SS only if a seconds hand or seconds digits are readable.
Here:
10:18:50
